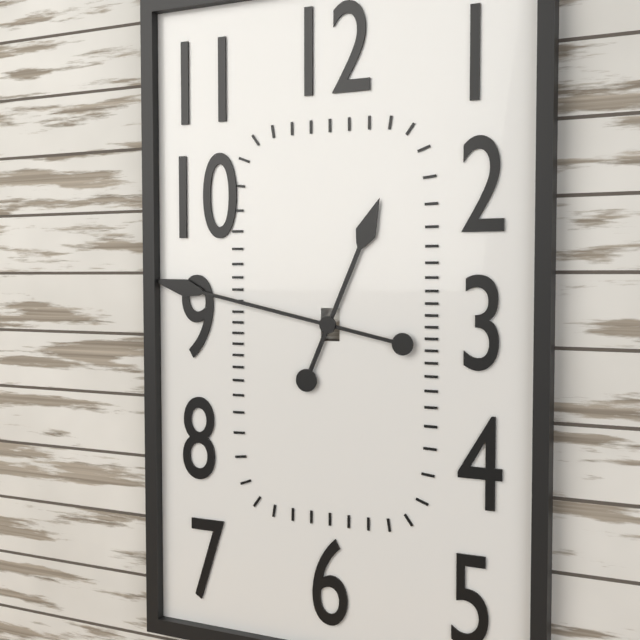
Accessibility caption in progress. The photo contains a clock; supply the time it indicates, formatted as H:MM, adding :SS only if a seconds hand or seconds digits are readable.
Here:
12:47
